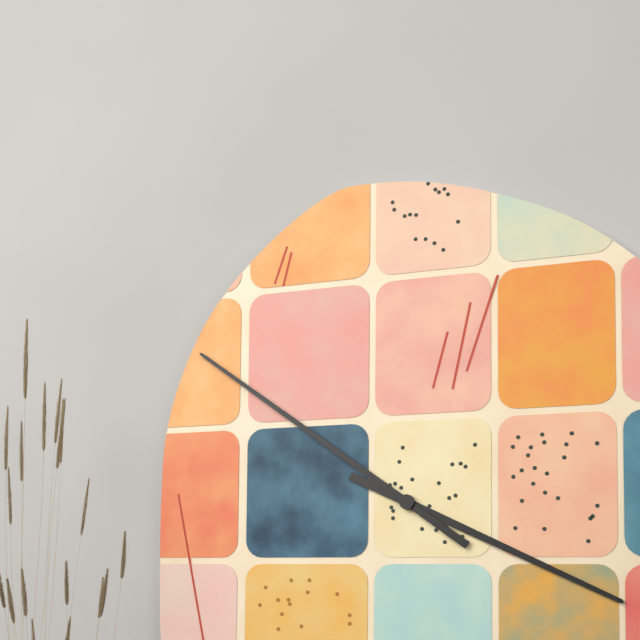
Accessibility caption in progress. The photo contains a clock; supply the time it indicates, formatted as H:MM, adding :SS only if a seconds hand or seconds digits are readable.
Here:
3:51
